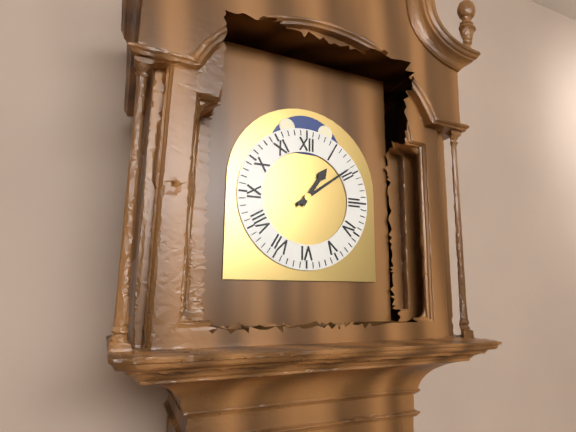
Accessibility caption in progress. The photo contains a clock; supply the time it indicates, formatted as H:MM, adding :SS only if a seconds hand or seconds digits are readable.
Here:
1:09
